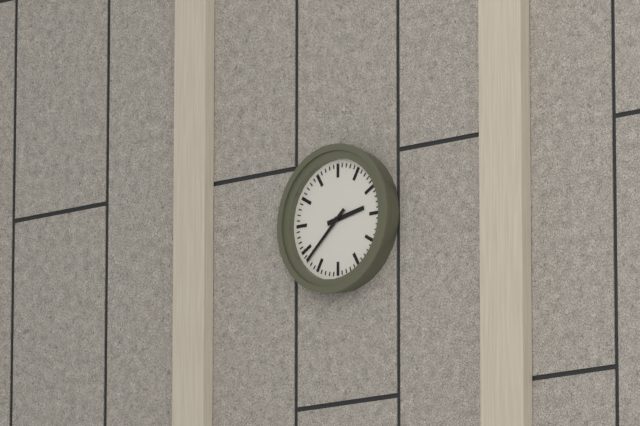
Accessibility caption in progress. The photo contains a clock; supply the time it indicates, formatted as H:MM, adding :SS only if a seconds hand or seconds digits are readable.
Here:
2:38
